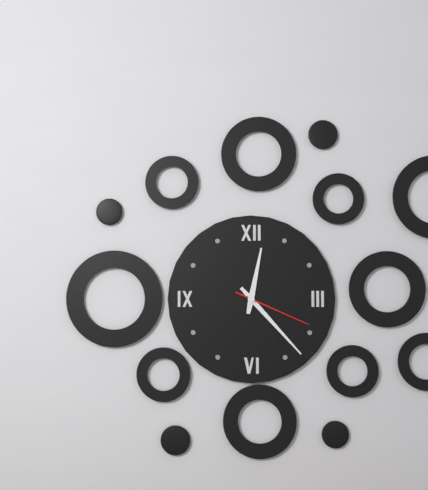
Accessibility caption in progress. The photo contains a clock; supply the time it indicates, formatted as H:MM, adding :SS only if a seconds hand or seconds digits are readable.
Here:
12:23:19
